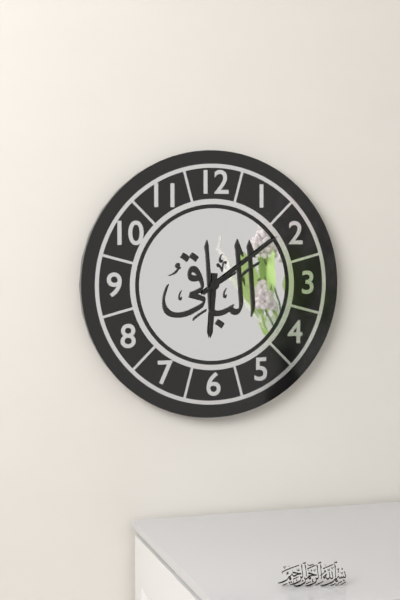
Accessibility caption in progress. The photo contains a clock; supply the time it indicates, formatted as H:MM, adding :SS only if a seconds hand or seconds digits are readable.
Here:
6:09
